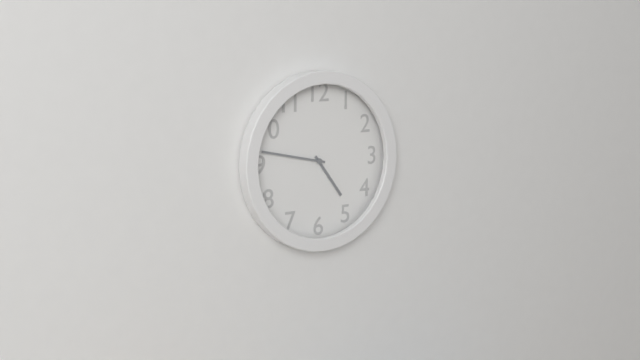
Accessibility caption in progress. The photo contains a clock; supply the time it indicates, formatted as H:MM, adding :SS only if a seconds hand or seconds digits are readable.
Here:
4:47
